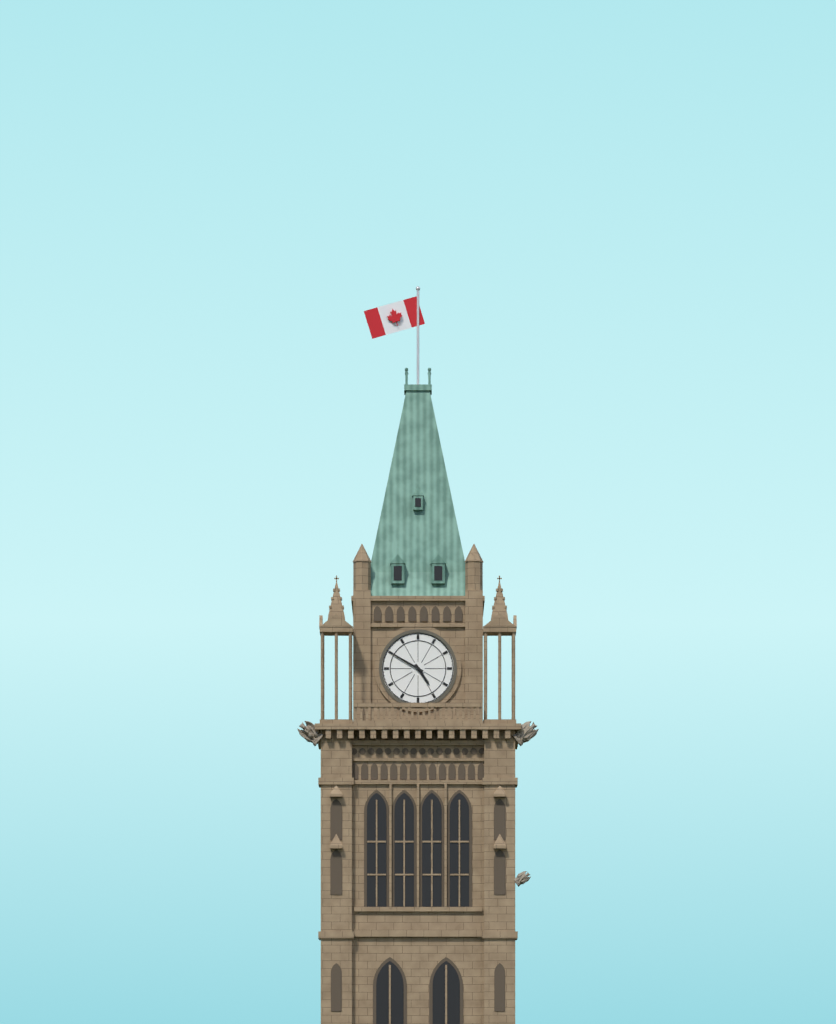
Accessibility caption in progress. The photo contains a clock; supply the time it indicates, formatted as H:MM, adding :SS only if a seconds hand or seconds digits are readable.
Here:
4:50
